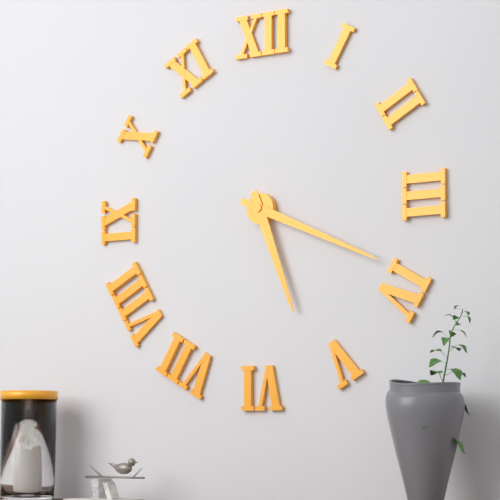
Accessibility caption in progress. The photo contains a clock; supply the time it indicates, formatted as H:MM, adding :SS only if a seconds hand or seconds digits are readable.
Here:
5:19
